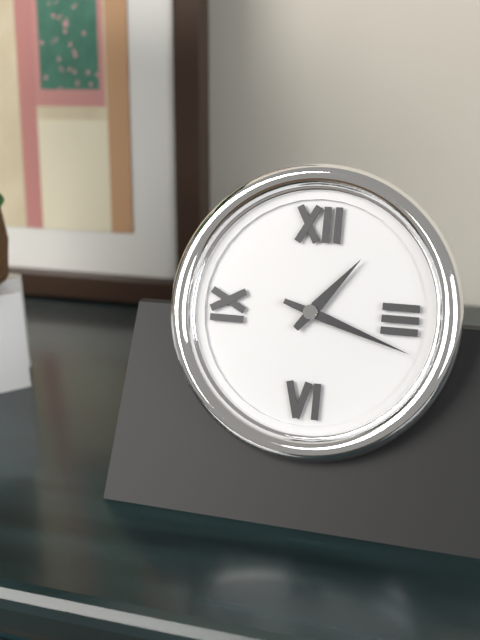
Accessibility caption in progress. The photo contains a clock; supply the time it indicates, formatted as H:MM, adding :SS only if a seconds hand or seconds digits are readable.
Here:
1:18
